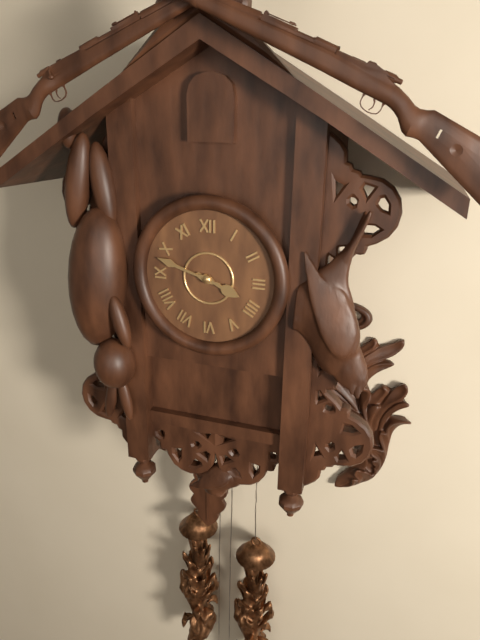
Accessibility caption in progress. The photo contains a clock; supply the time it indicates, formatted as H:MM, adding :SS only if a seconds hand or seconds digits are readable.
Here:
3:48
